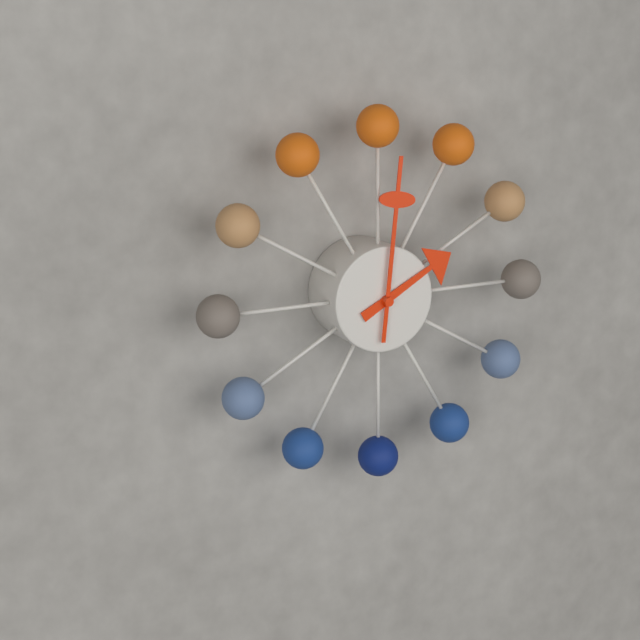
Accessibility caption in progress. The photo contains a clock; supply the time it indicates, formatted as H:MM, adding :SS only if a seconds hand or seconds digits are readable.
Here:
2:01
